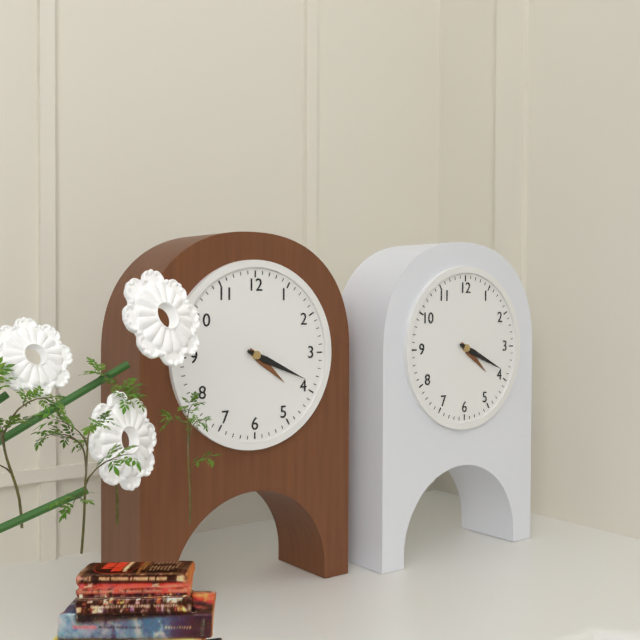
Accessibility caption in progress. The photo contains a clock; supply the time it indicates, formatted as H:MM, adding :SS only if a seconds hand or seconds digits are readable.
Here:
4:19
